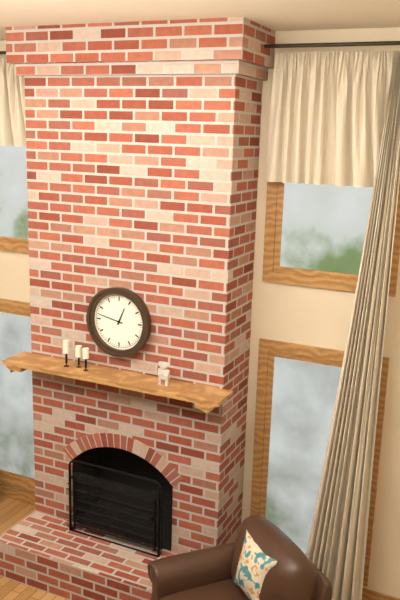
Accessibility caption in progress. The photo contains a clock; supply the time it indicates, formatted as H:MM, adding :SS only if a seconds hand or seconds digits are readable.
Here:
12:47
